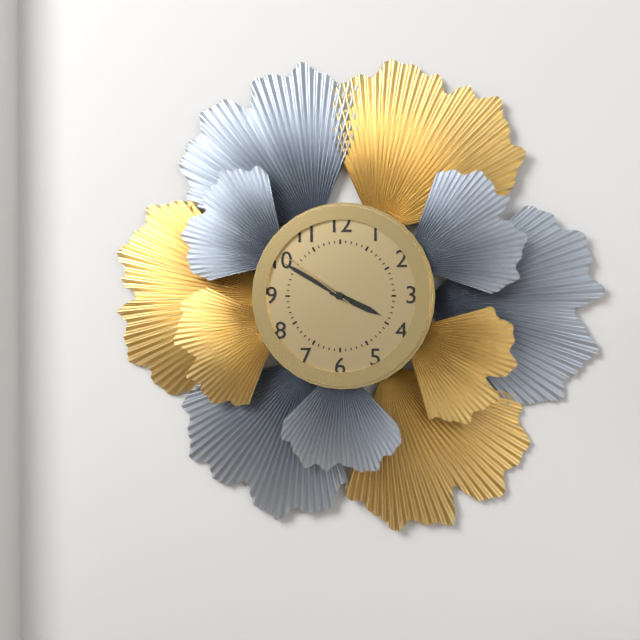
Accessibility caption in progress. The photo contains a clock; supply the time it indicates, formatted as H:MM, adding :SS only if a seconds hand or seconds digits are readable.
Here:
3:50:51
